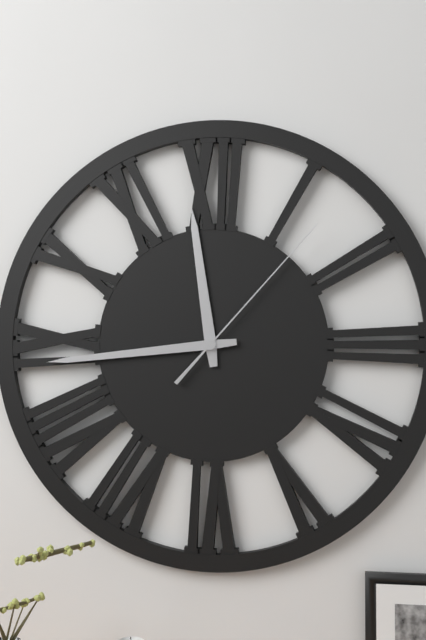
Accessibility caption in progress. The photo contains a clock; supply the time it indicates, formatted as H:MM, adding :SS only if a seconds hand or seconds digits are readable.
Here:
11:44:07
